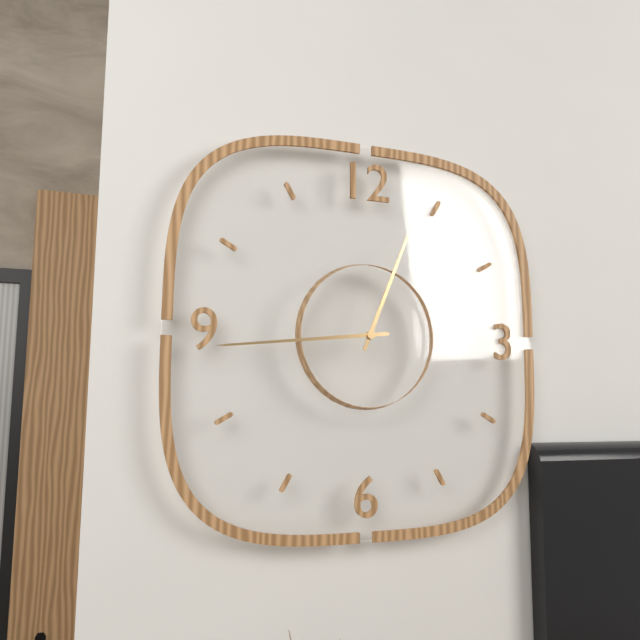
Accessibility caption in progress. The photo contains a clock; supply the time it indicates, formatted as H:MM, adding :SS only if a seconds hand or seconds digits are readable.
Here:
12:44
